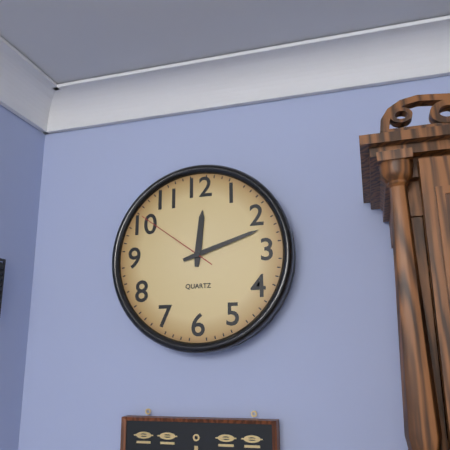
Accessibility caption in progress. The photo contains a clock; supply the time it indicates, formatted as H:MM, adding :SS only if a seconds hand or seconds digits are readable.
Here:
12:12:51
